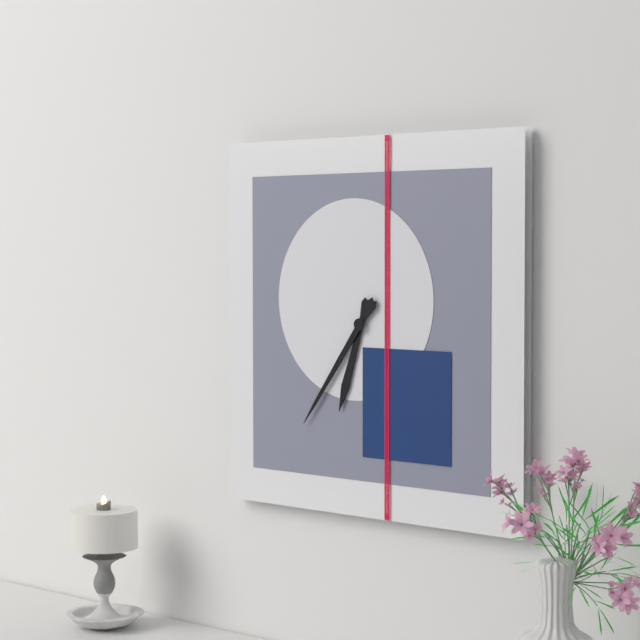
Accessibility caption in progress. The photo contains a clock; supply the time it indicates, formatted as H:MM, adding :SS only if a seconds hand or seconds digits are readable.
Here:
6:36
